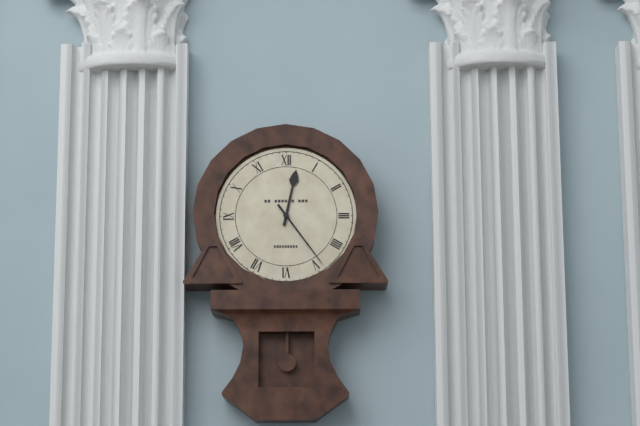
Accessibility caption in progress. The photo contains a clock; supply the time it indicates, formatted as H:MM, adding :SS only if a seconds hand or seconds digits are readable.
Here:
12:24
